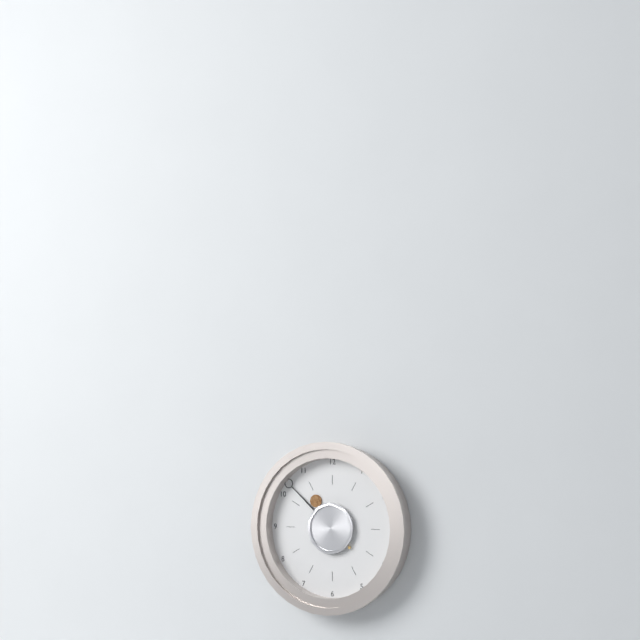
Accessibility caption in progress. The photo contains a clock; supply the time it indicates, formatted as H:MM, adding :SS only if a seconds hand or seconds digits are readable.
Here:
10:52
